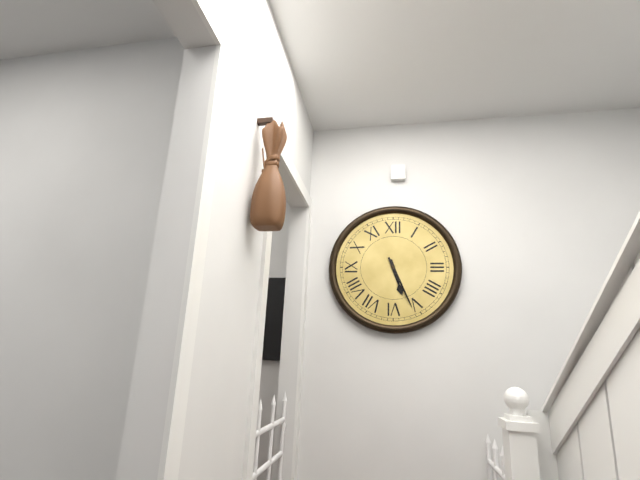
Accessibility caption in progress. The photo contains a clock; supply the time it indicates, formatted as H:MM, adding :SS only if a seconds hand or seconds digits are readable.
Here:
5:26
